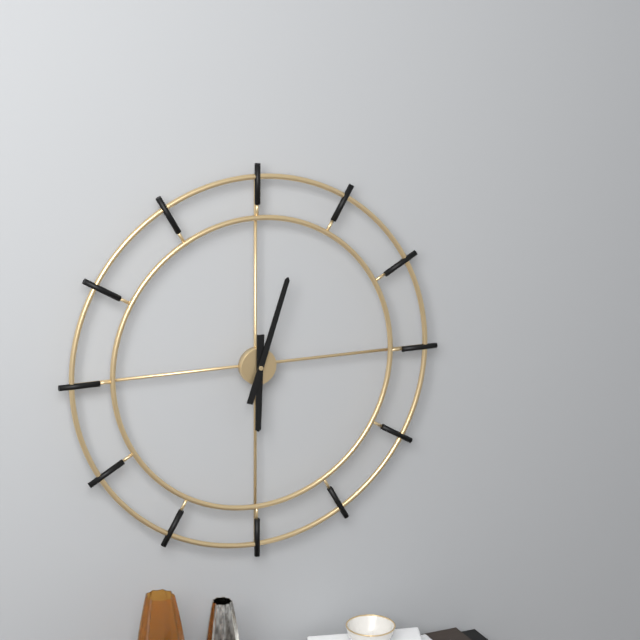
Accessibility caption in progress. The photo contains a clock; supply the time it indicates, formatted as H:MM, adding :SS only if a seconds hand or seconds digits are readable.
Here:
6:03
